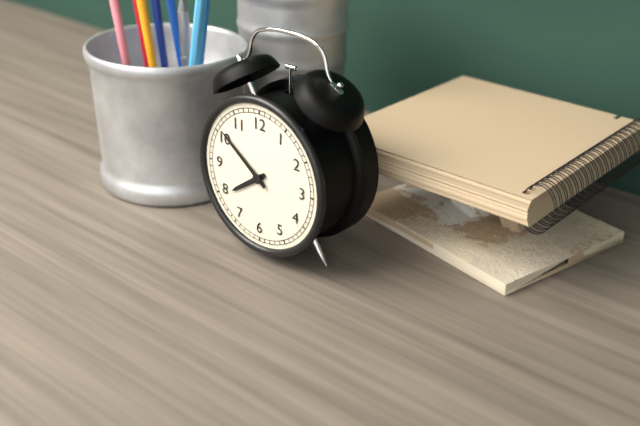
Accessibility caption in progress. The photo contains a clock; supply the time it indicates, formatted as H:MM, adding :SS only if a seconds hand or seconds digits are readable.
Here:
7:51
